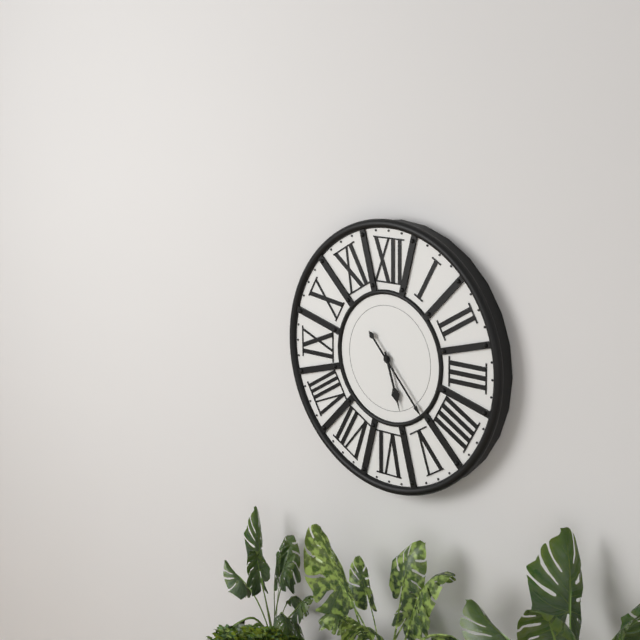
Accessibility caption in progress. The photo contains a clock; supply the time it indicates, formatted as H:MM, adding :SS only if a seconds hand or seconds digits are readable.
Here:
5:23
